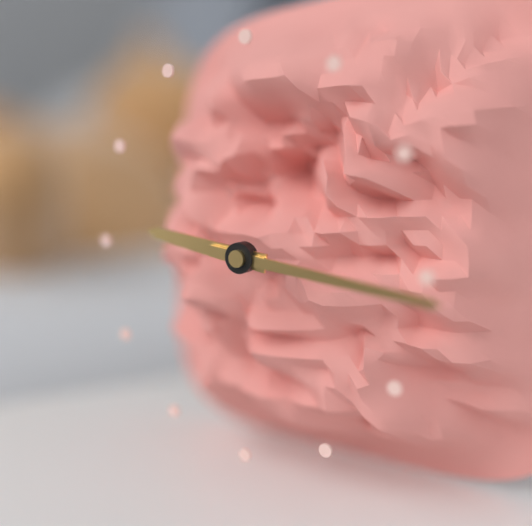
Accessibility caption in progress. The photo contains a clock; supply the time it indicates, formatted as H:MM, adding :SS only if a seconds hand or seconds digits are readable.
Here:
9:16
